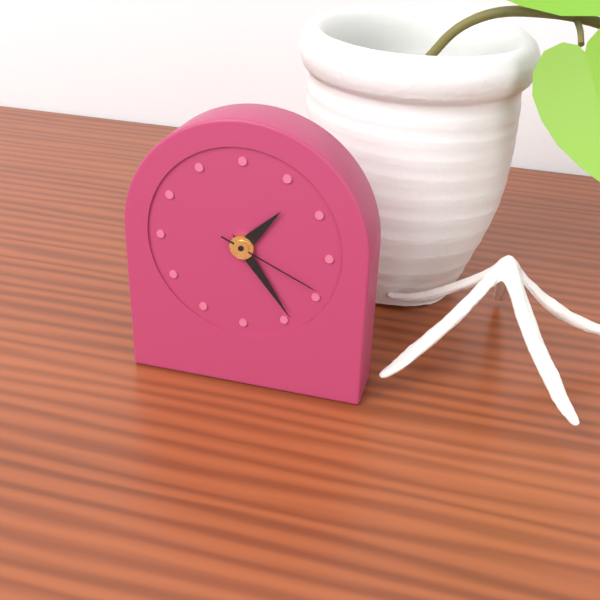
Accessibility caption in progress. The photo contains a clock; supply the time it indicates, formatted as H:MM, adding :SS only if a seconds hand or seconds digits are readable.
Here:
1:24:19
